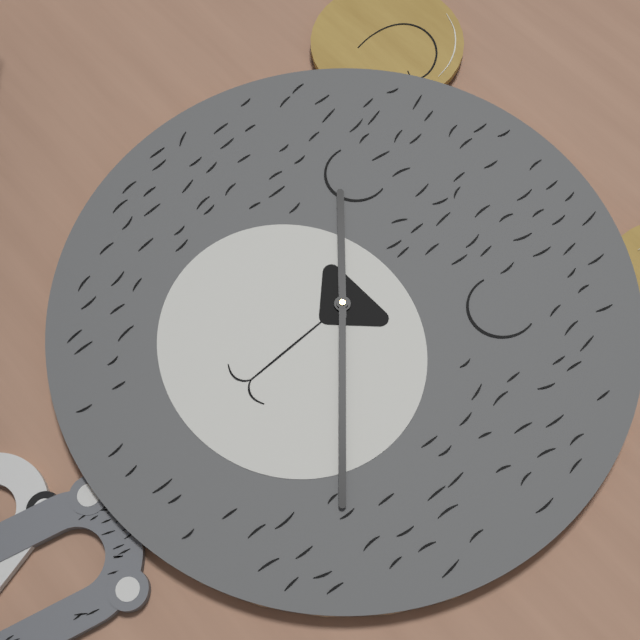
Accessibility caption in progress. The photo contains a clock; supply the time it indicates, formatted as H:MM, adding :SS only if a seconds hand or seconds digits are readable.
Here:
10:22
